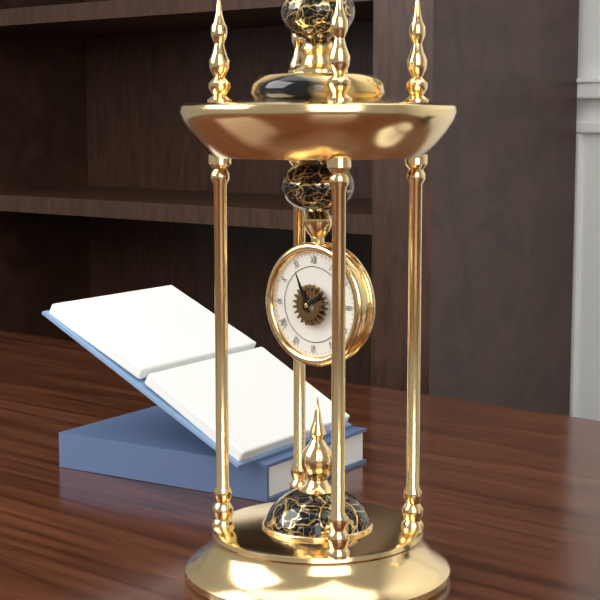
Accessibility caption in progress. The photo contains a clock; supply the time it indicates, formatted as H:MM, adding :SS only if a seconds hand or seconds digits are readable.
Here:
1:56
